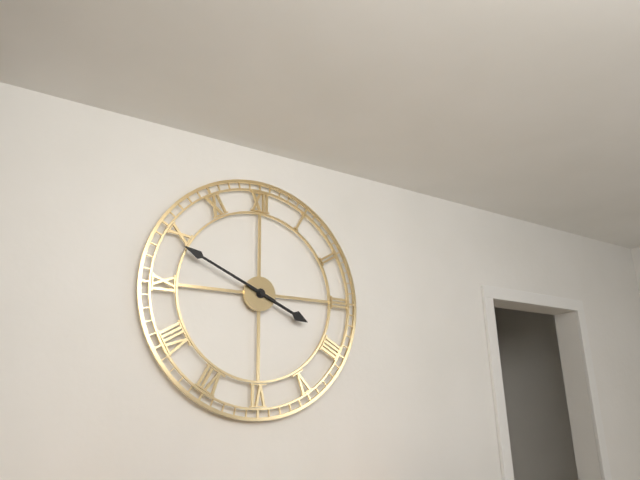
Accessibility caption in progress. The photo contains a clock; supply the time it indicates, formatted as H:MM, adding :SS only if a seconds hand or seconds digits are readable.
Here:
3:49
